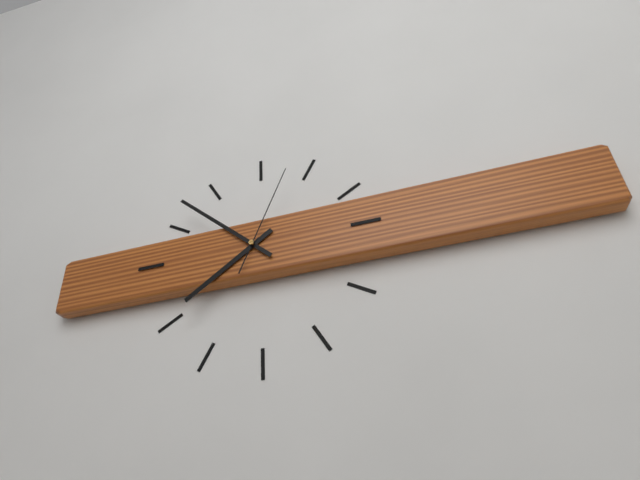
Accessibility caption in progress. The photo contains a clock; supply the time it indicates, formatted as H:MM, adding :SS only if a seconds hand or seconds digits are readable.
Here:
7:52:04
